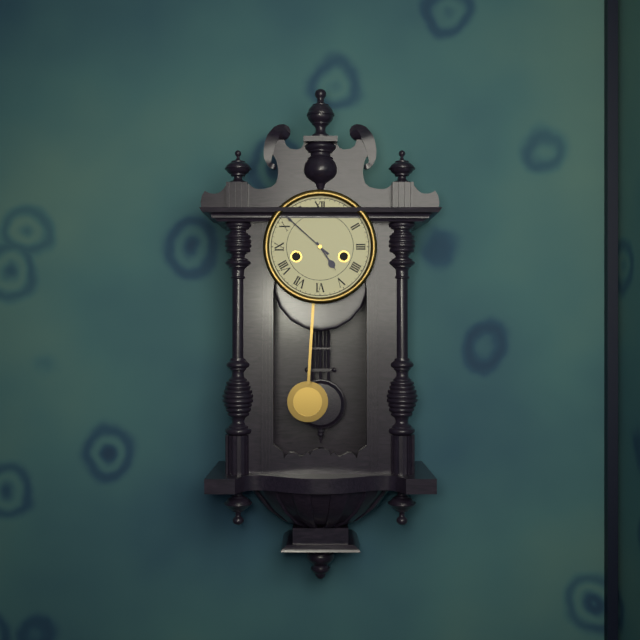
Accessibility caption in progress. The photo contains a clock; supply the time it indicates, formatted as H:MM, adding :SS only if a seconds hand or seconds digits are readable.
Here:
4:52
